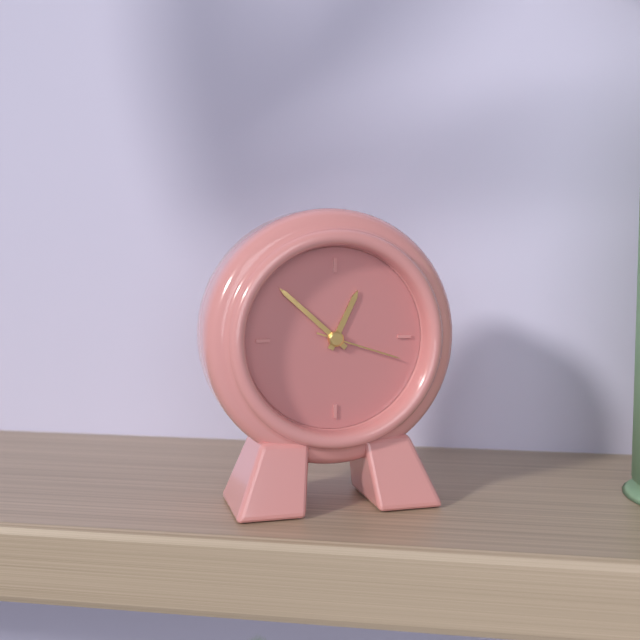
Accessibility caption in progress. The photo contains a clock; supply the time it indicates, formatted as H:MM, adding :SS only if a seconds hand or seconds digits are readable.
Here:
12:52:18
